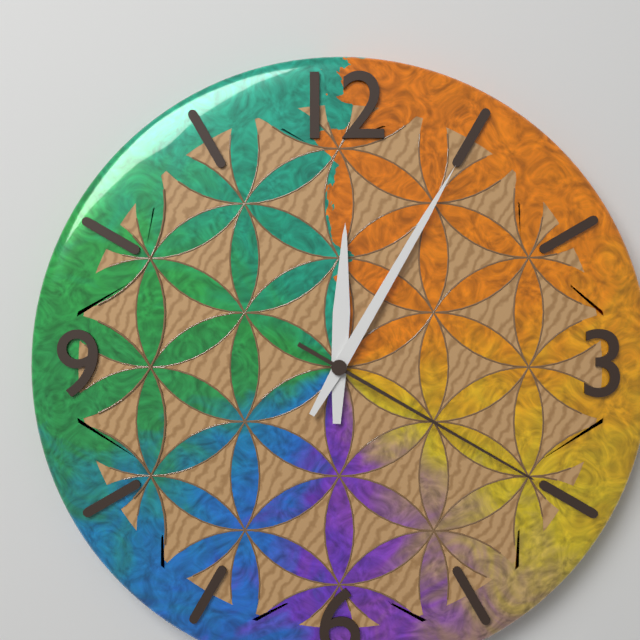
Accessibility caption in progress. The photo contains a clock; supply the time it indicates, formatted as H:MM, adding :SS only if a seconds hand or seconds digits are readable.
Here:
12:05:20
